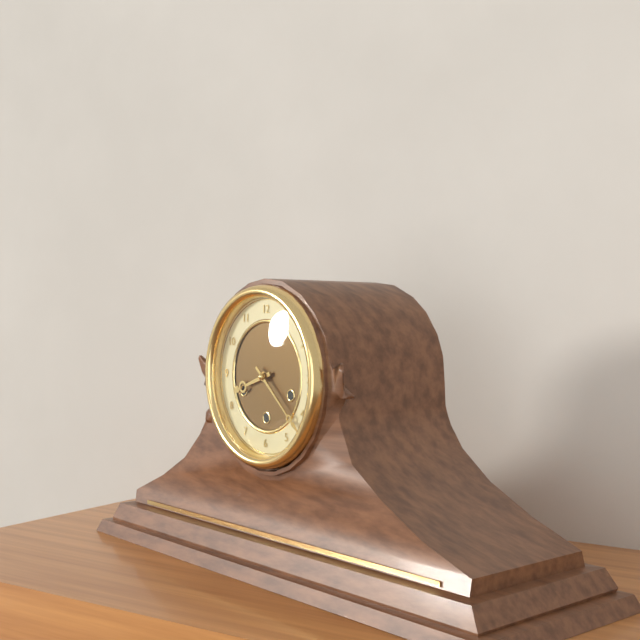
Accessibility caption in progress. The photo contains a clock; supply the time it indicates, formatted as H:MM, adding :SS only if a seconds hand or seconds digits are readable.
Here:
8:22
